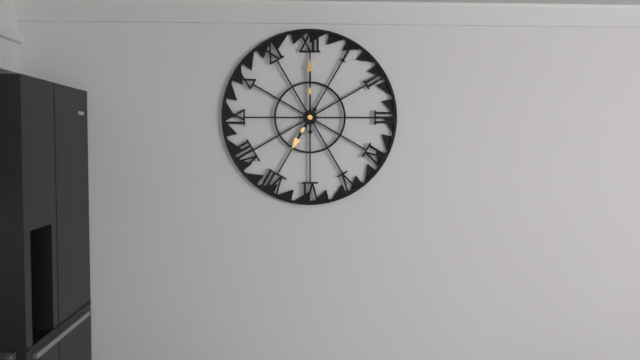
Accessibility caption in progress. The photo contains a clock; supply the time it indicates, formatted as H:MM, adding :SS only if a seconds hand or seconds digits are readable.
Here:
7:00
